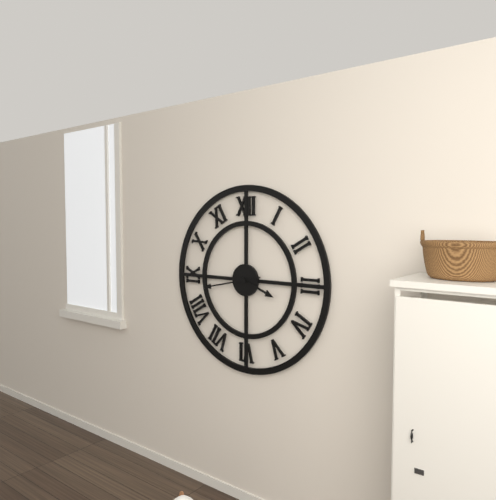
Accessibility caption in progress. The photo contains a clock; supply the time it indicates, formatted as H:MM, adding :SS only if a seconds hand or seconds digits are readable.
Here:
3:43
